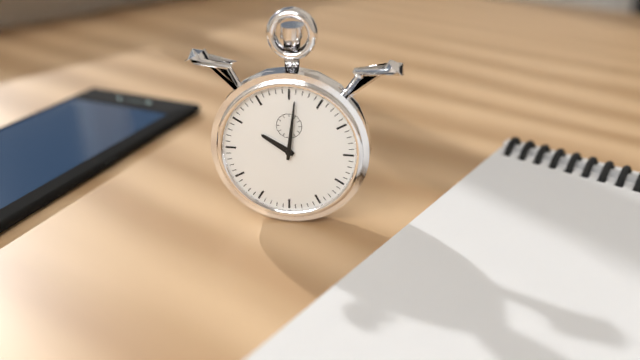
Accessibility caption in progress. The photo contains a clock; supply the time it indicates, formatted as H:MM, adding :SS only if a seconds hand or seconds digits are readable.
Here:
10:01
